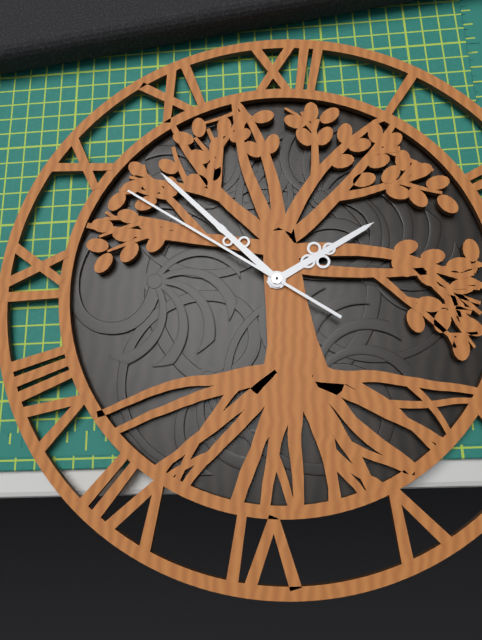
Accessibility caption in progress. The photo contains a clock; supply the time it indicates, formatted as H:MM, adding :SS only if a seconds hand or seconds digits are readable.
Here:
1:52:50
